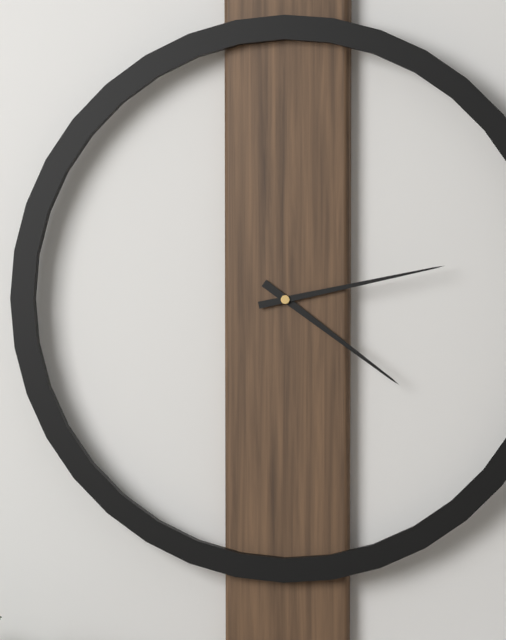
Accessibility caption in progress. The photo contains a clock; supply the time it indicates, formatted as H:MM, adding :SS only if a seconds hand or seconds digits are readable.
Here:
4:13
